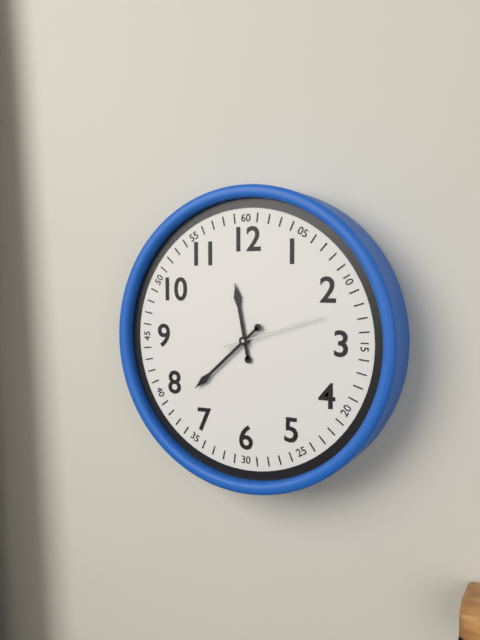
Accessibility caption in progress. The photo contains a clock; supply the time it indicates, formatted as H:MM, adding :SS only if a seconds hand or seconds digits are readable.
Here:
11:38:12
